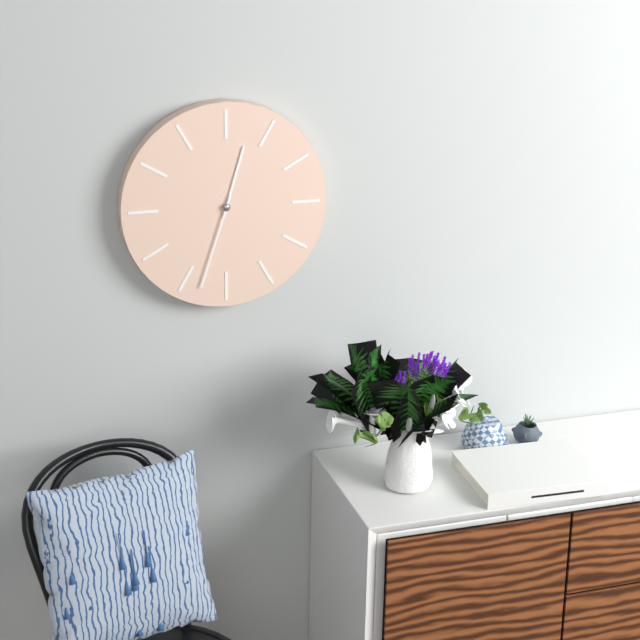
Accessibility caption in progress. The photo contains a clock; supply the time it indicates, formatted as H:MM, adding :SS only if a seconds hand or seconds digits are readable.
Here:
12:33
